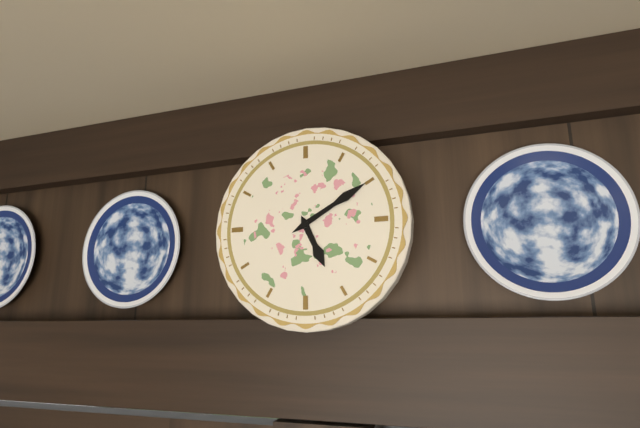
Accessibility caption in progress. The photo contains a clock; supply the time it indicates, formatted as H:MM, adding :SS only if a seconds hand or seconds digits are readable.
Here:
5:10
